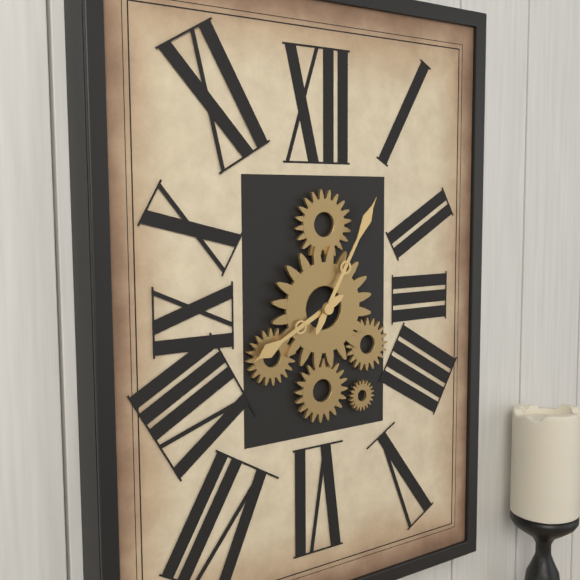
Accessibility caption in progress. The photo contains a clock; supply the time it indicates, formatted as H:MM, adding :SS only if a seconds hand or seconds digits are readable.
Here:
8:05
